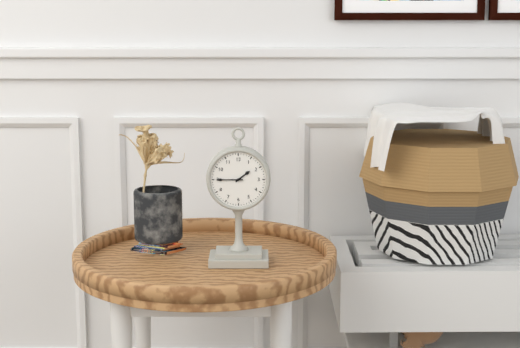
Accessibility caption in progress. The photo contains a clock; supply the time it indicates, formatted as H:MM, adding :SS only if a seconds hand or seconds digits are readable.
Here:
1:45
